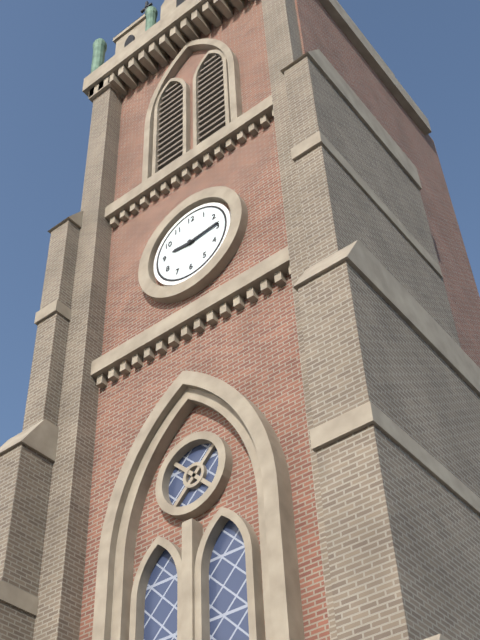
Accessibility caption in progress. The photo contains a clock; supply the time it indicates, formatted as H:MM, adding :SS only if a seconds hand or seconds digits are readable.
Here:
9:14
